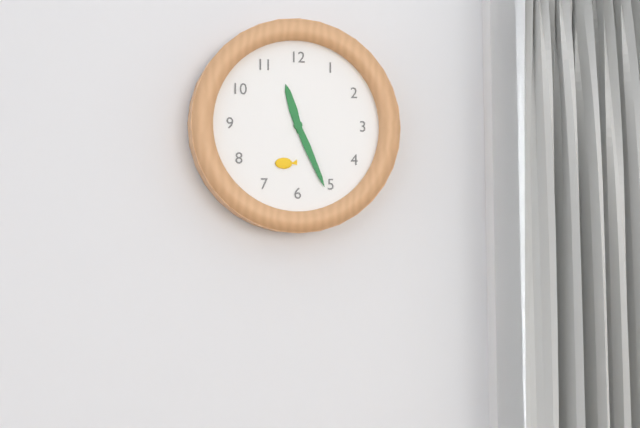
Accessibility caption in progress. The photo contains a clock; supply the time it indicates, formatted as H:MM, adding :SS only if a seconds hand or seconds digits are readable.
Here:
11:26
